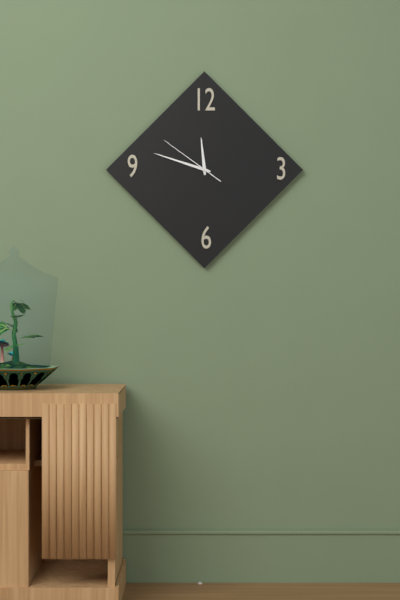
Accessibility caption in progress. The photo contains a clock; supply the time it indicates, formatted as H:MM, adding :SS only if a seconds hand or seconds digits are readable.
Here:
11:48:51
